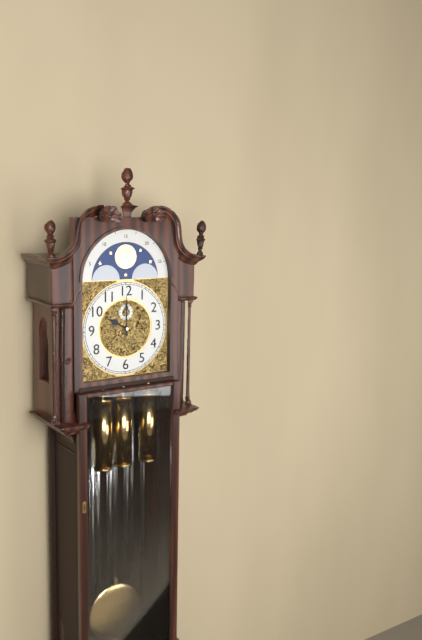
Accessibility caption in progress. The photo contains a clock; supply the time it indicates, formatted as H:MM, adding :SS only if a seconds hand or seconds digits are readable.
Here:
10:00
